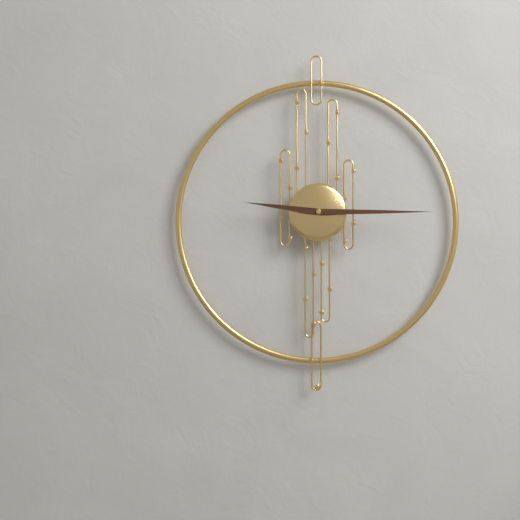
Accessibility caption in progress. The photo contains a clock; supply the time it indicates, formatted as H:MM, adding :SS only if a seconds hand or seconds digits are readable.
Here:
9:15
